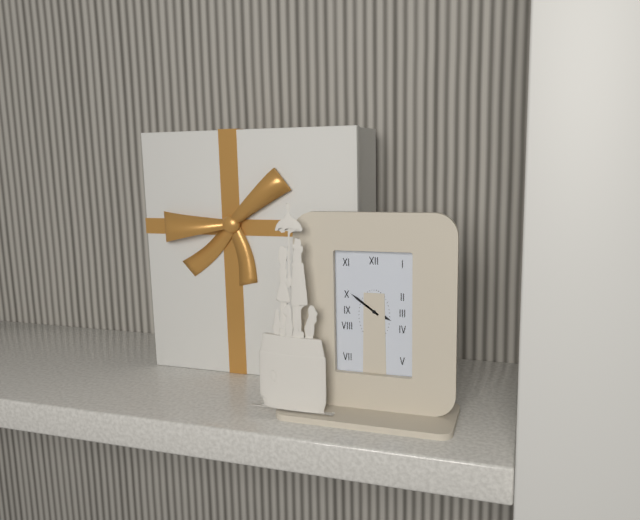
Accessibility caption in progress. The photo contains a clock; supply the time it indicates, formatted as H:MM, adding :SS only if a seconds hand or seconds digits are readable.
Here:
3:51
